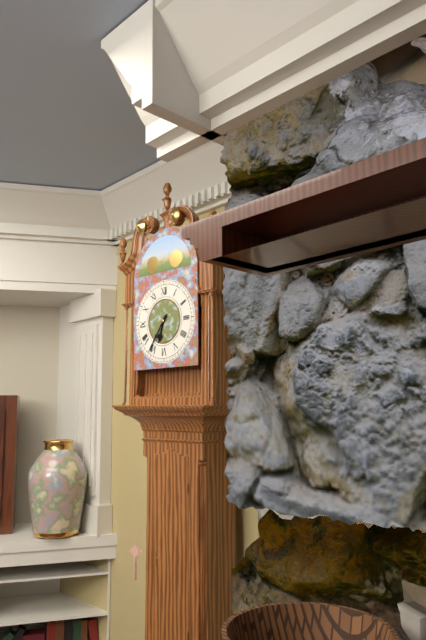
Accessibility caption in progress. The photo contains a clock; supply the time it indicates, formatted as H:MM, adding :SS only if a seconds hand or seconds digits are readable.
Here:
6:36
